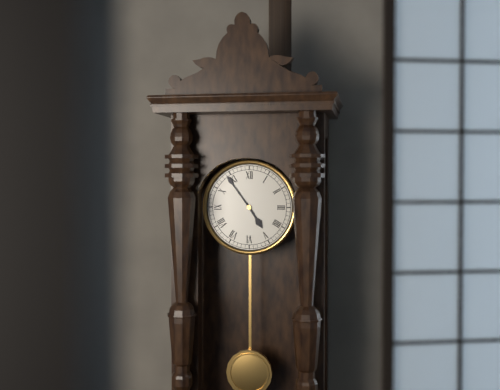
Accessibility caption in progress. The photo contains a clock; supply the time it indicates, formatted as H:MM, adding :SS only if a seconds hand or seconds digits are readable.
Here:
4:54
